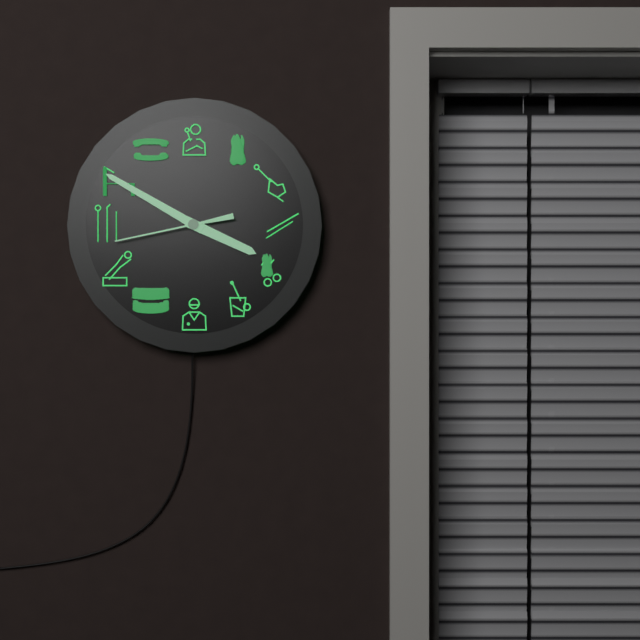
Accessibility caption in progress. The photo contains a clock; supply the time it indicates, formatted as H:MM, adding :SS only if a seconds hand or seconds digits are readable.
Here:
3:50:43
